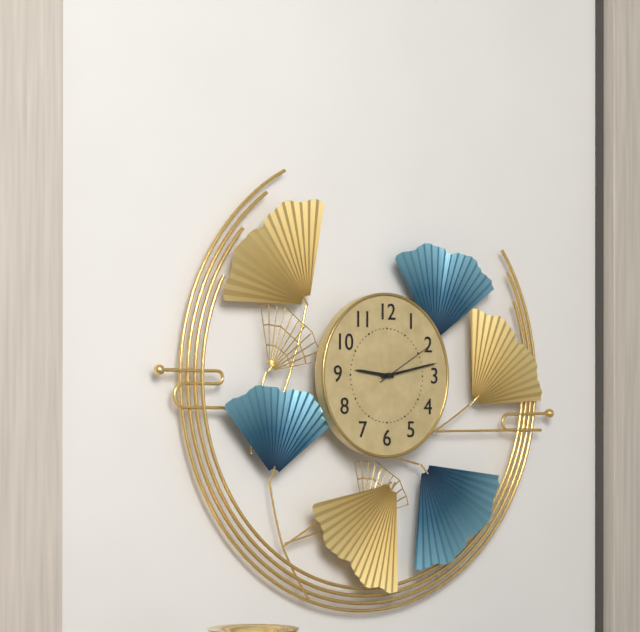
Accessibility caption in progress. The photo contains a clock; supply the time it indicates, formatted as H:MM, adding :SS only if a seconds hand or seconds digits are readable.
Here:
9:13:10
